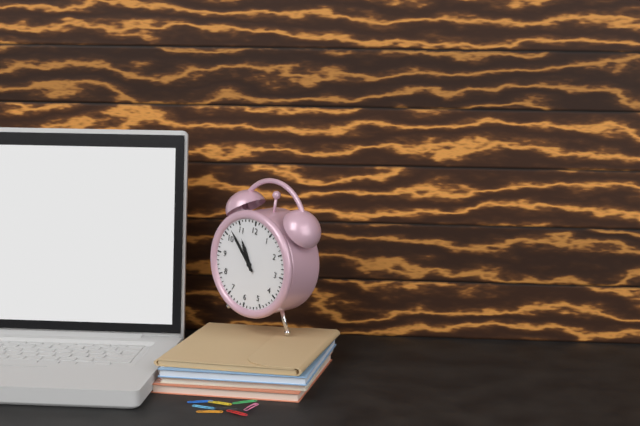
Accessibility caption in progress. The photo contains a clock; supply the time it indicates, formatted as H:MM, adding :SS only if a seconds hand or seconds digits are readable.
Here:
10:52
